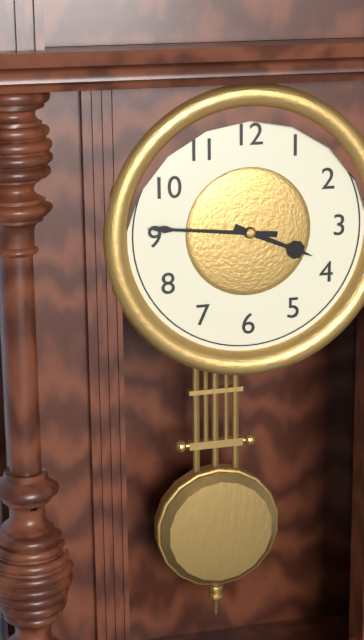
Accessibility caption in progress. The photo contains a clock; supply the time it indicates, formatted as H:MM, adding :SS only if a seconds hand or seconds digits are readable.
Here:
3:46
